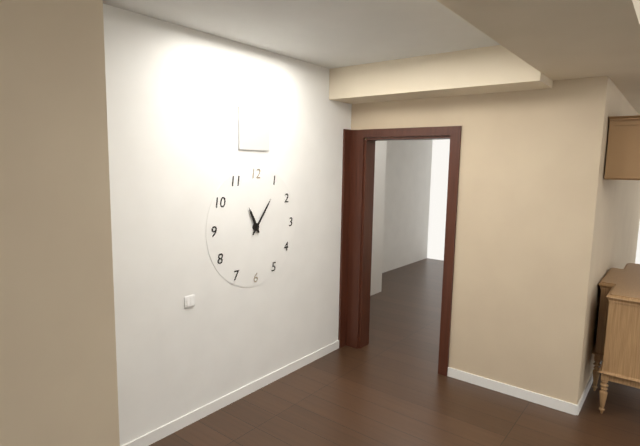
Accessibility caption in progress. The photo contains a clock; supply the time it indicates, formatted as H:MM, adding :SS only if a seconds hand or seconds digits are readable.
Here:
11:06
